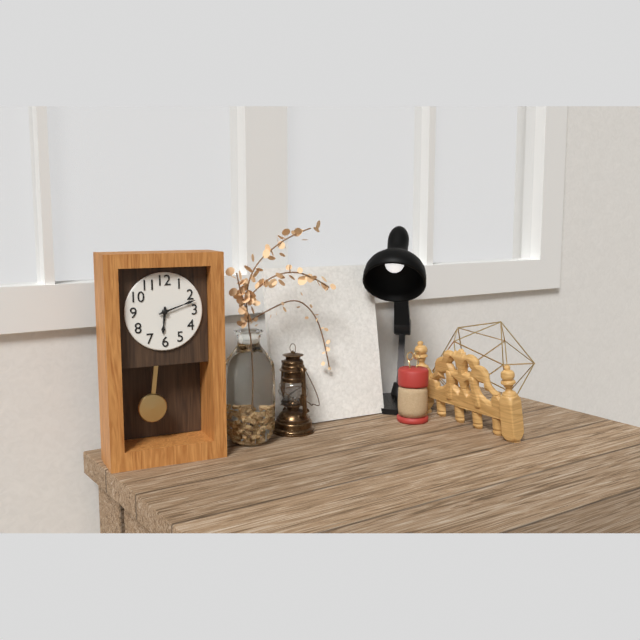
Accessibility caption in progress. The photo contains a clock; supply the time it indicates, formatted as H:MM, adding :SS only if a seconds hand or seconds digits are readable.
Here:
6:12
